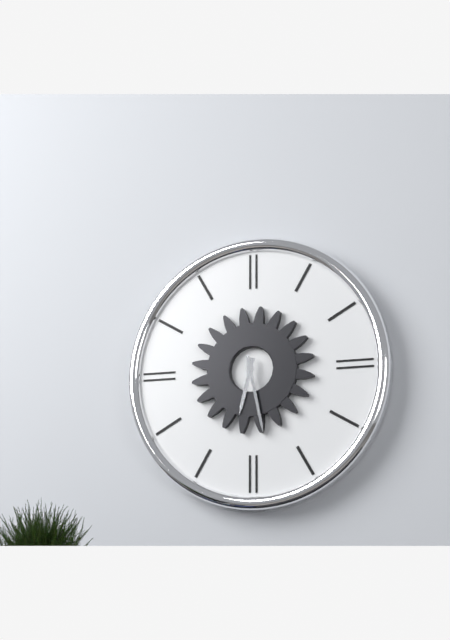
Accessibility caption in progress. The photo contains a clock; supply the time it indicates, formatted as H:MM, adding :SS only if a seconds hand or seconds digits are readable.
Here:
6:28
